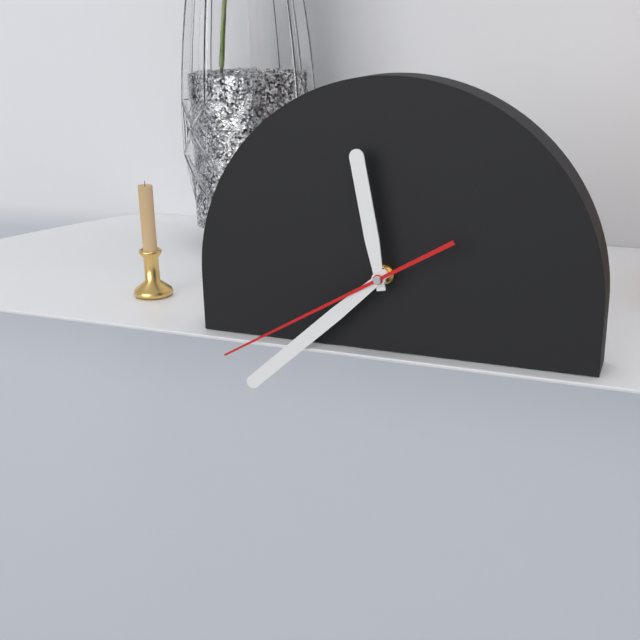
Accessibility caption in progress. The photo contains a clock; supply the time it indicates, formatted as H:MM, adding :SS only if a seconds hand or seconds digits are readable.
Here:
11:38:40
